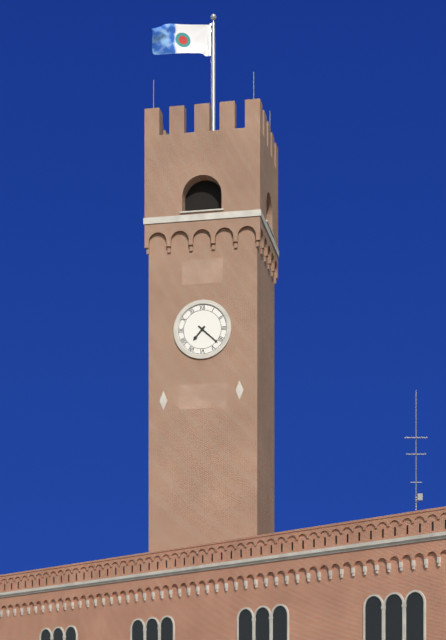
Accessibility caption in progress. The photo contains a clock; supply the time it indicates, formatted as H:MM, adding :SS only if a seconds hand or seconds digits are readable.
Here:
7:22
